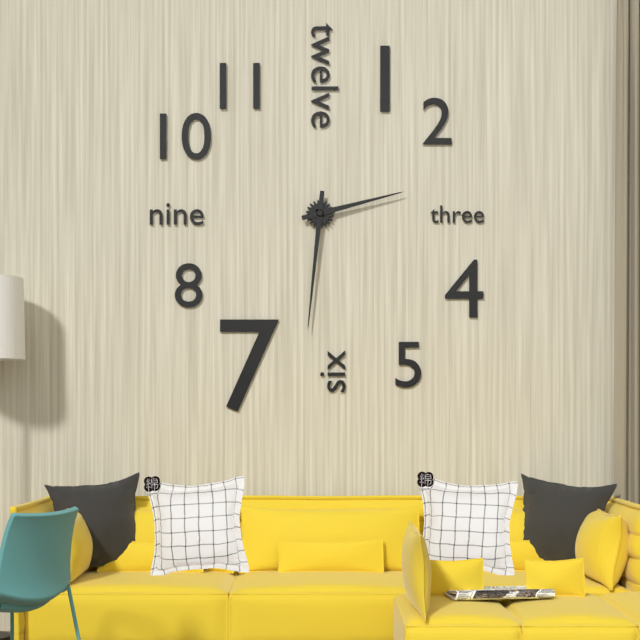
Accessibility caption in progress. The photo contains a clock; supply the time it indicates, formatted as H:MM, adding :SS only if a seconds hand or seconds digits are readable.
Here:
2:31
